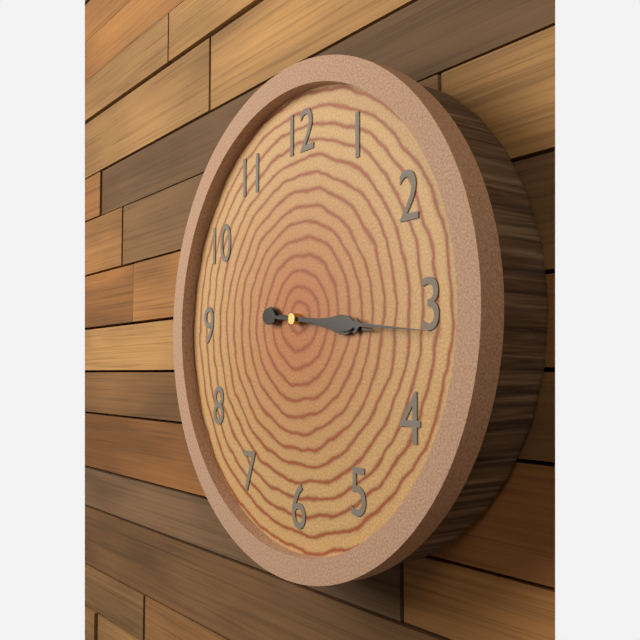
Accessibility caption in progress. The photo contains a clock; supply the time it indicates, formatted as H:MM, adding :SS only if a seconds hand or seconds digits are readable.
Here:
3:16
